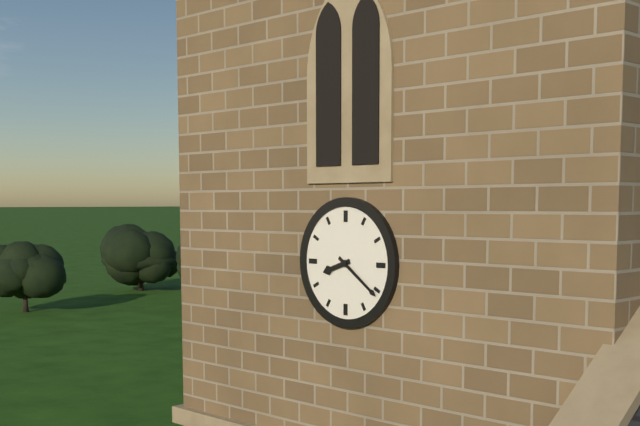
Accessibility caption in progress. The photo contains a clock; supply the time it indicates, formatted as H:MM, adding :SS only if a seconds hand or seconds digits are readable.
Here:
8:21
